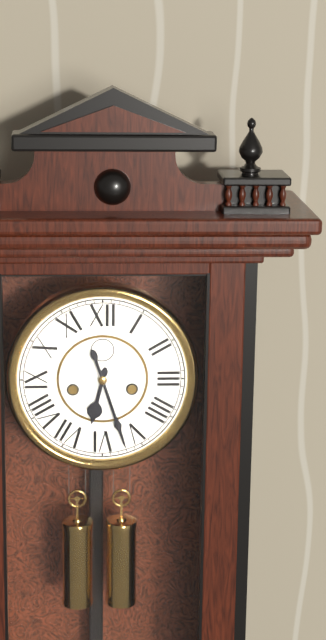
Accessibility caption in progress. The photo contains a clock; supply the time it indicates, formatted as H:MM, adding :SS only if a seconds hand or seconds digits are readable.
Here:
6:27
